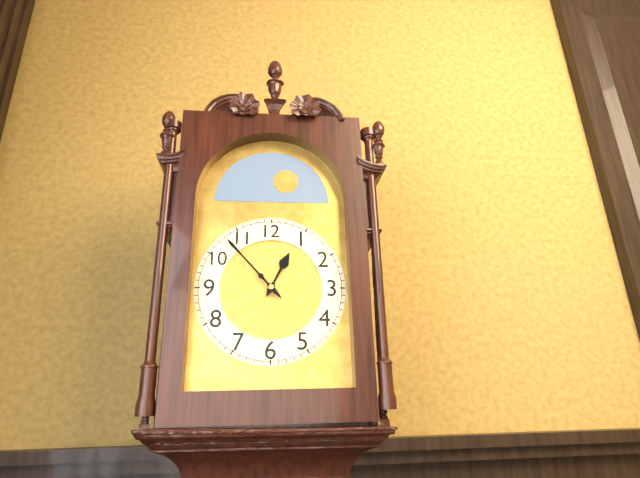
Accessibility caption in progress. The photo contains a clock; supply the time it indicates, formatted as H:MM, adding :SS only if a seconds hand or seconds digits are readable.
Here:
12:53
